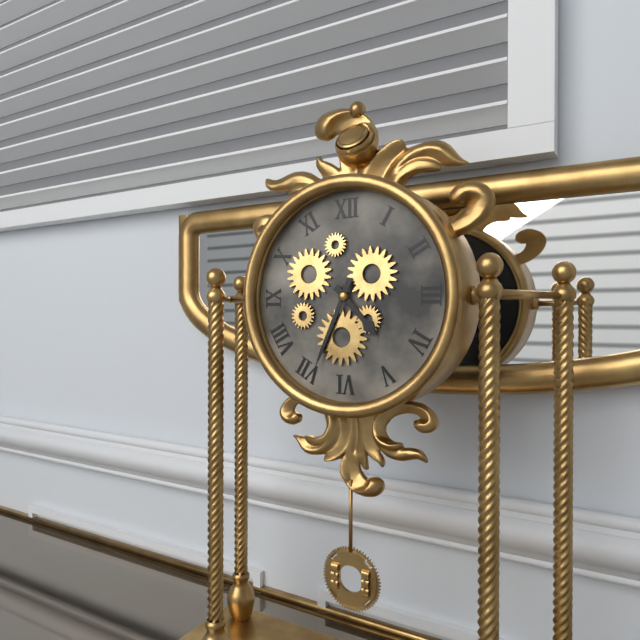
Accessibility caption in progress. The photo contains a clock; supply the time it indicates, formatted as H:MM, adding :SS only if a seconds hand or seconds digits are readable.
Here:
4:34
